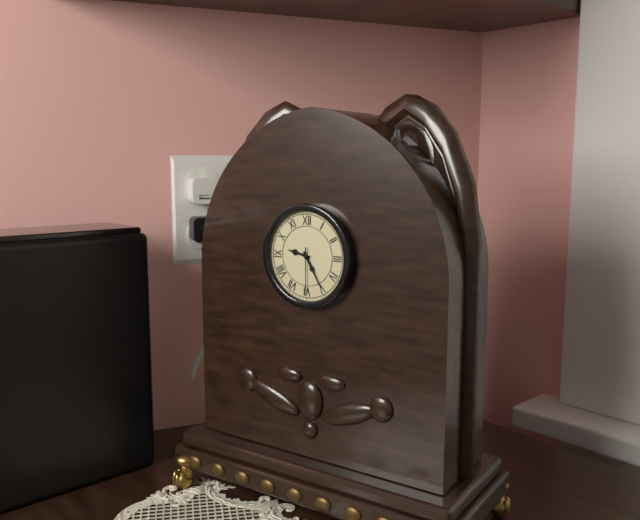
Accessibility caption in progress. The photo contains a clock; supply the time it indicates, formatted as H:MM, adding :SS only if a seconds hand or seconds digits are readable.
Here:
9:25
